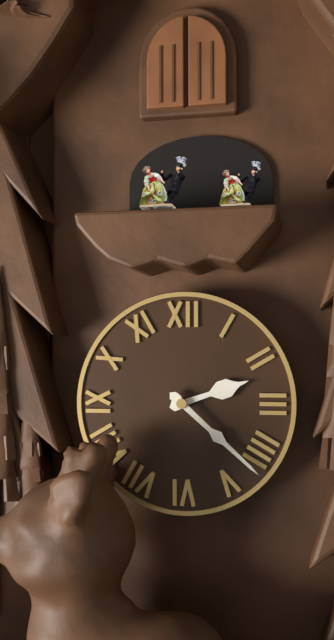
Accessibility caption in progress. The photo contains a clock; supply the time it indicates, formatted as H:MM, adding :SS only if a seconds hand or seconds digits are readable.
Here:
2:22
